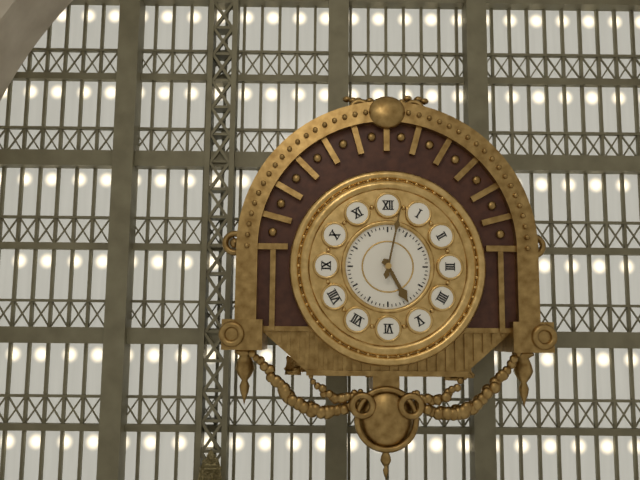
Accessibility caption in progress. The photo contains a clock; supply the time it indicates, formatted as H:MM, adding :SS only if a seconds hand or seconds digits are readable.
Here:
5:02
